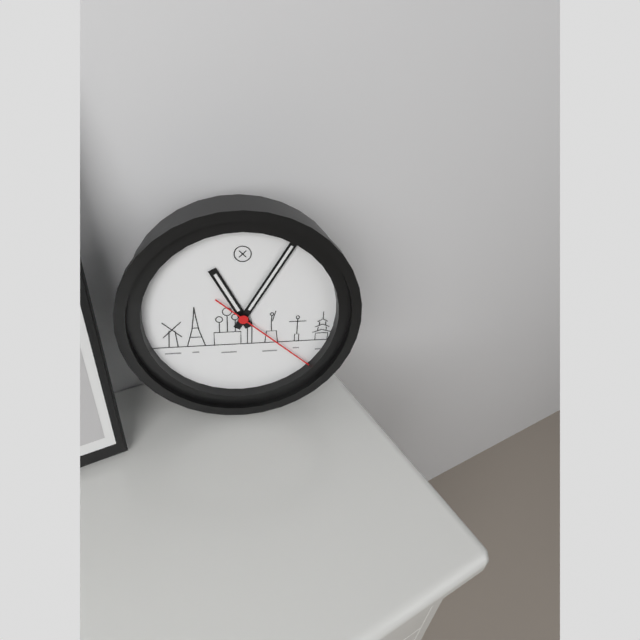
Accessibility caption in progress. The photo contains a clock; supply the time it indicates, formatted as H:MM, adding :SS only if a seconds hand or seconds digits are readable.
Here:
11:05:22
